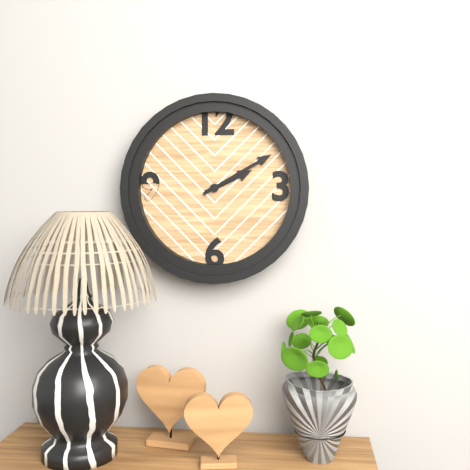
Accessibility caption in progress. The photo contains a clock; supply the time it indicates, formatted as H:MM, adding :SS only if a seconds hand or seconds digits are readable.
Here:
2:10
